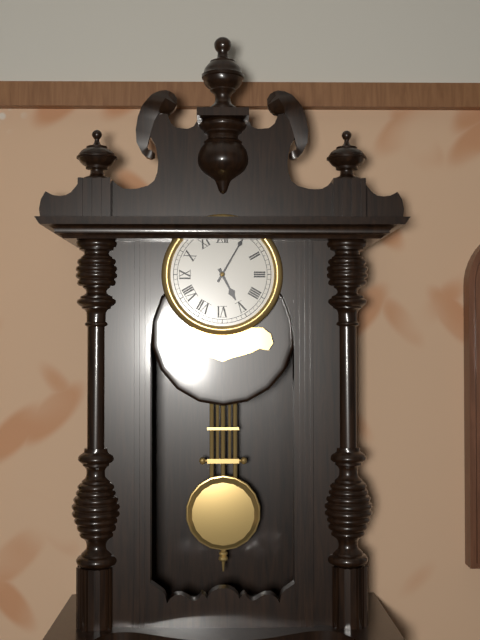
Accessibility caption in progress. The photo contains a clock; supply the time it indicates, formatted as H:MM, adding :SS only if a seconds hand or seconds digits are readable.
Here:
5:05
